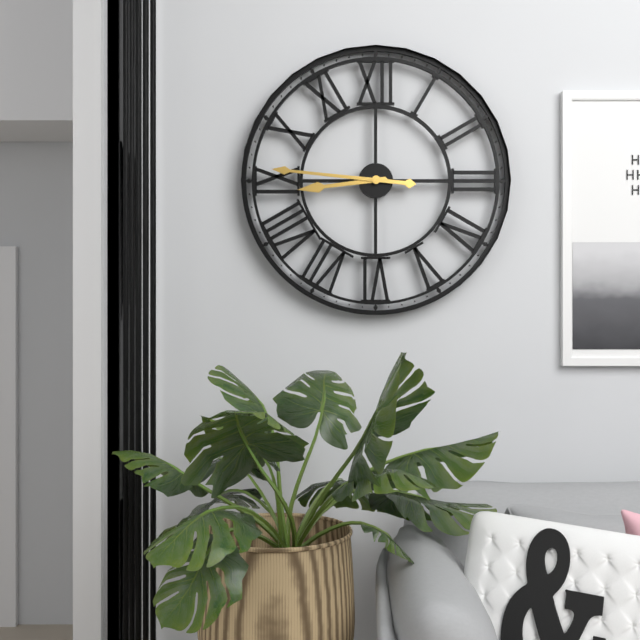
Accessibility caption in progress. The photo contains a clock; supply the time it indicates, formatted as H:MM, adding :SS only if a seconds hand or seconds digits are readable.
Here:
8:46
